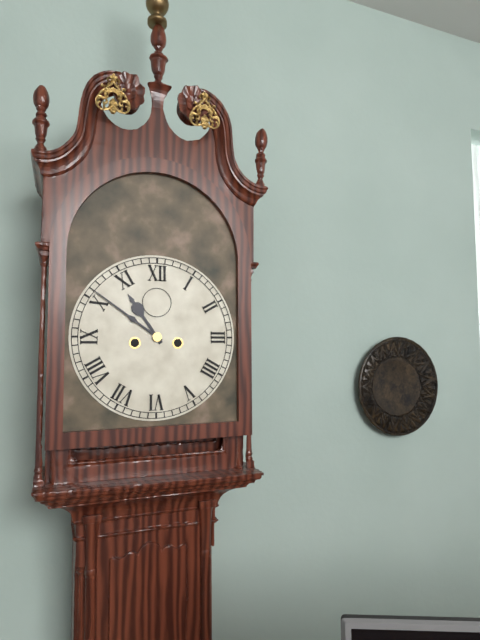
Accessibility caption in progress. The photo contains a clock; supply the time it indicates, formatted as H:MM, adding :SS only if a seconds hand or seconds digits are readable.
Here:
10:51
